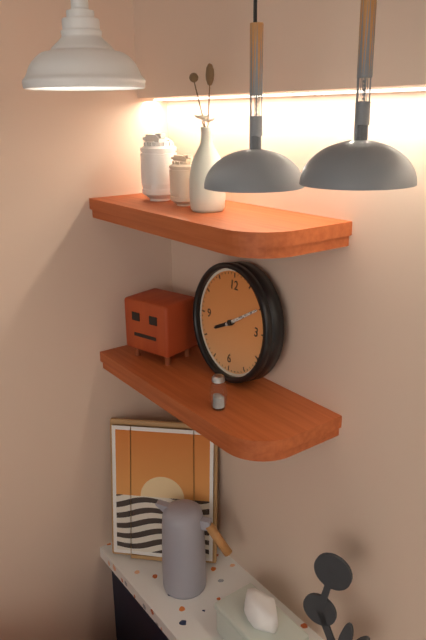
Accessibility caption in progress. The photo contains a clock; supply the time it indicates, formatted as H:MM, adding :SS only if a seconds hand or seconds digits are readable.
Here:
8:10
